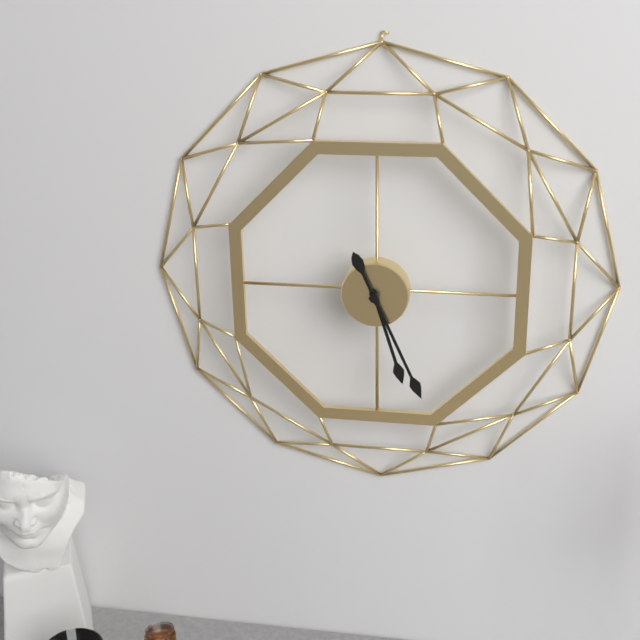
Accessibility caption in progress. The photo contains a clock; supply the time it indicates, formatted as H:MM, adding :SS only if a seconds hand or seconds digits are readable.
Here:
5:26
